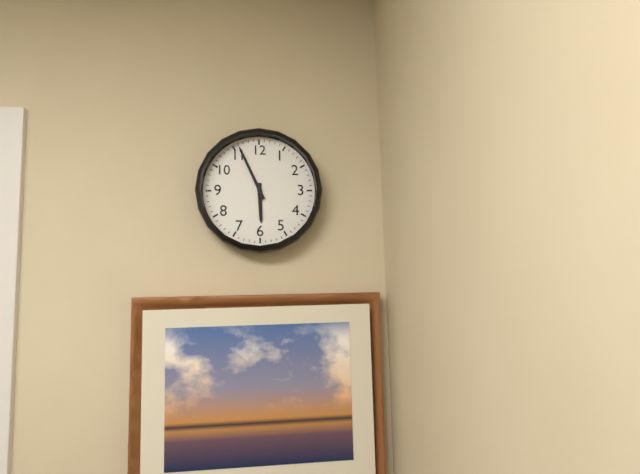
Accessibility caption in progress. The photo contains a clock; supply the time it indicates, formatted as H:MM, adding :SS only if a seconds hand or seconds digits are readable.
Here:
5:56
